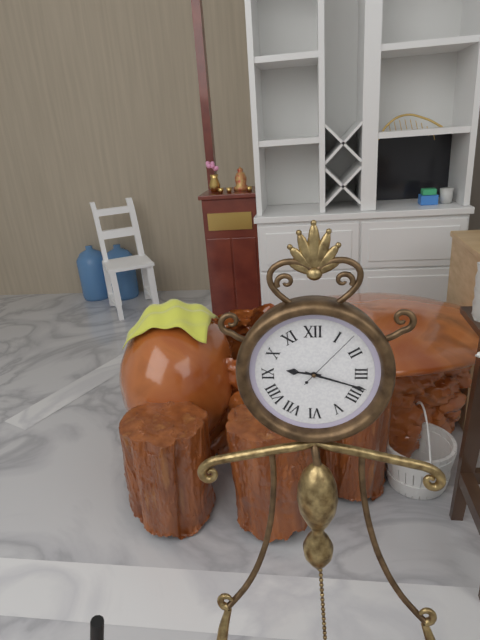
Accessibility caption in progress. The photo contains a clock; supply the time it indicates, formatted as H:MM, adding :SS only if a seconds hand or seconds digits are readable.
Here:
9:18:07
